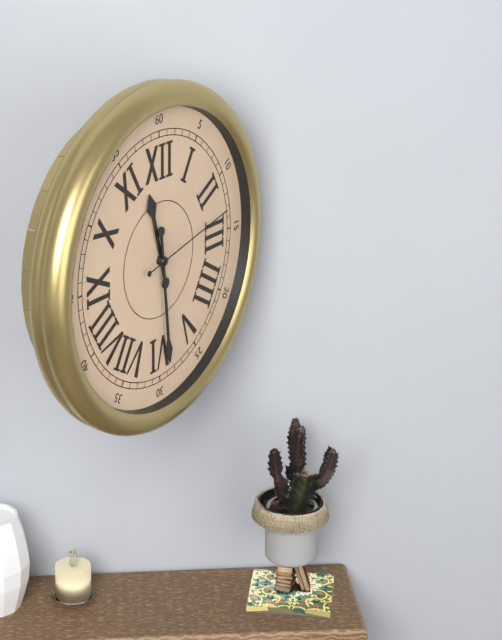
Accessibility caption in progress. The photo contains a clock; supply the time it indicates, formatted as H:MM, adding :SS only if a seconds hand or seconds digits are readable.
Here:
11:29:13
